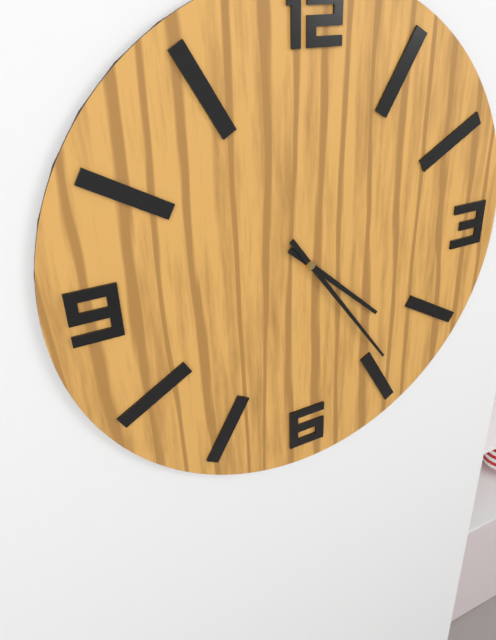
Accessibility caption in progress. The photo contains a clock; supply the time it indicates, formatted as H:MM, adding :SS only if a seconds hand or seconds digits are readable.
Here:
4:24
